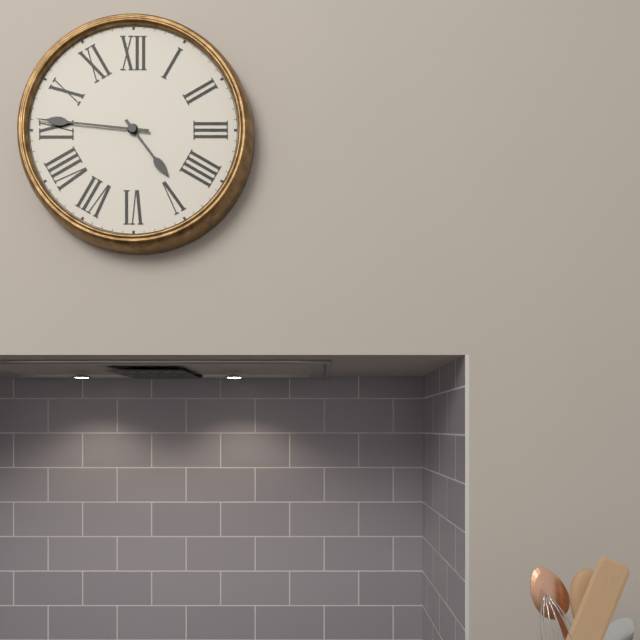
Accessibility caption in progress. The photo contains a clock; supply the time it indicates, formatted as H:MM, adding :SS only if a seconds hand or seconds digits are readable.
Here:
4:46
